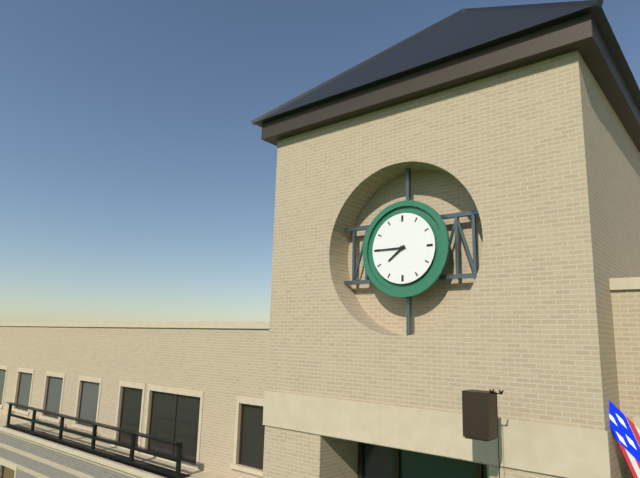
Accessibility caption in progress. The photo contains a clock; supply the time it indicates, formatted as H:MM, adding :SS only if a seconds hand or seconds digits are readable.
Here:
7:45
